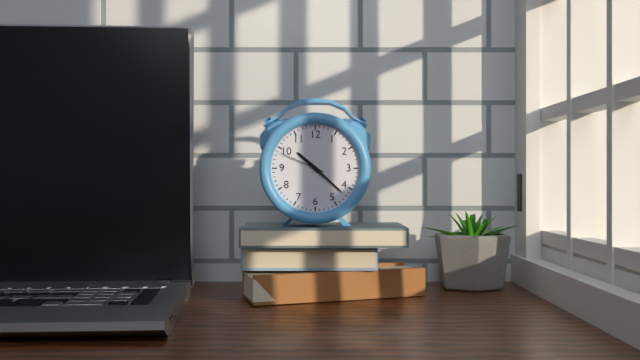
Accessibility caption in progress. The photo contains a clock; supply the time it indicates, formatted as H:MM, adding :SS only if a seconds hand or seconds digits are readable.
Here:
10:22
